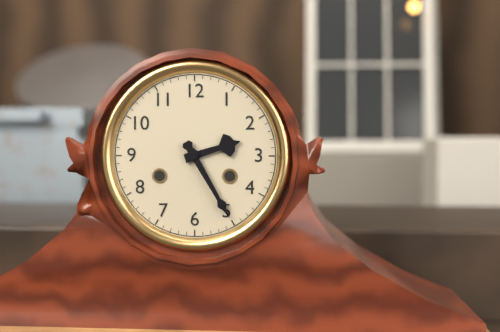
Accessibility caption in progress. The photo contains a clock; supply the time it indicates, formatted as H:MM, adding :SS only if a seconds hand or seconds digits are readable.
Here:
2:25
